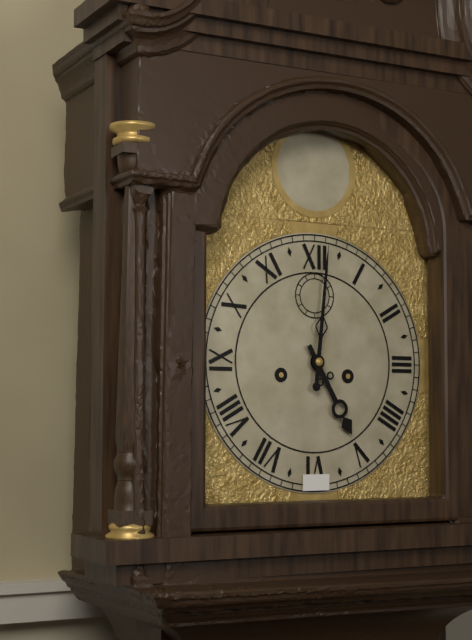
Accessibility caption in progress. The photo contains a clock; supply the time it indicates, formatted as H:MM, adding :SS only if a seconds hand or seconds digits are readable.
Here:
5:01
